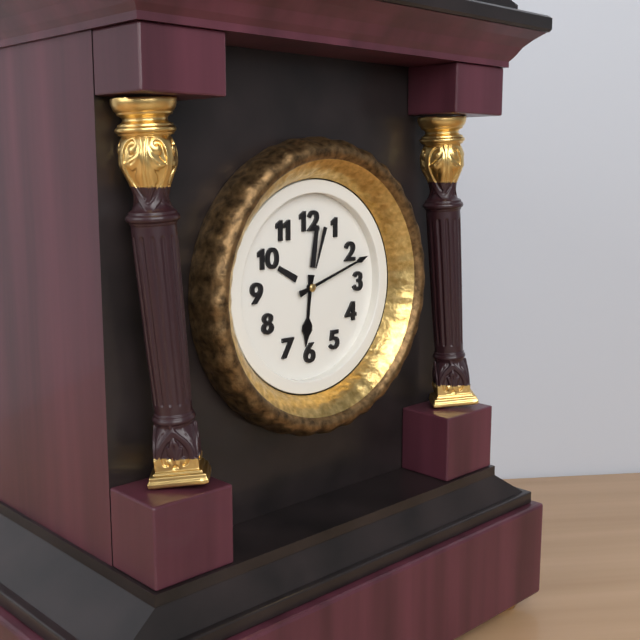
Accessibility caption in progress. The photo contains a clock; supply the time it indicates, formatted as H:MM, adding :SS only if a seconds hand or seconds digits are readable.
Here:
6:12
